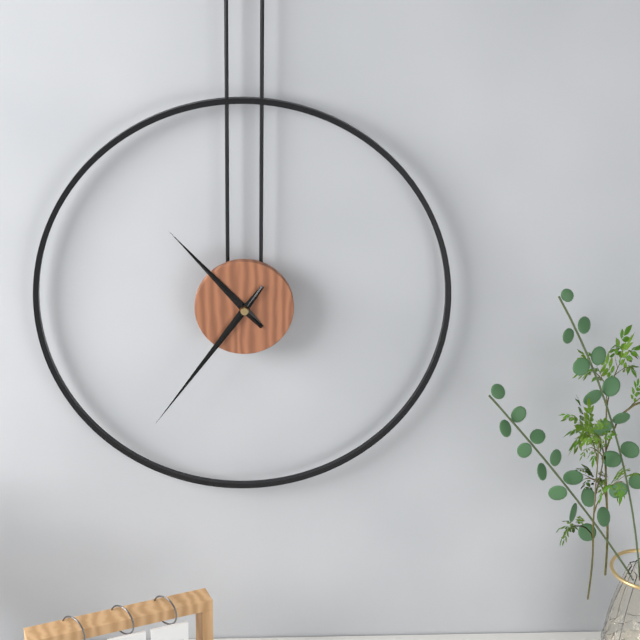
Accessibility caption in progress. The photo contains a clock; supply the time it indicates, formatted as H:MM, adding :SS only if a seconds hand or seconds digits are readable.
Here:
10:36
